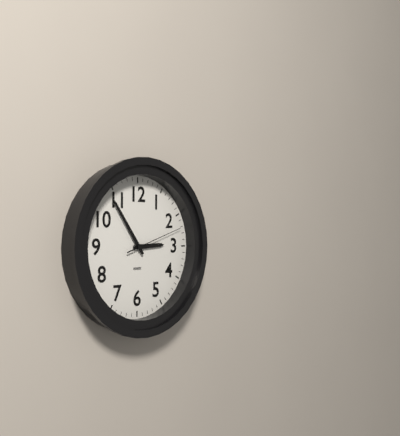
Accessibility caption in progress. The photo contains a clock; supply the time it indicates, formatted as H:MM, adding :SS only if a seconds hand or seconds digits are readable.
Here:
2:54:12
